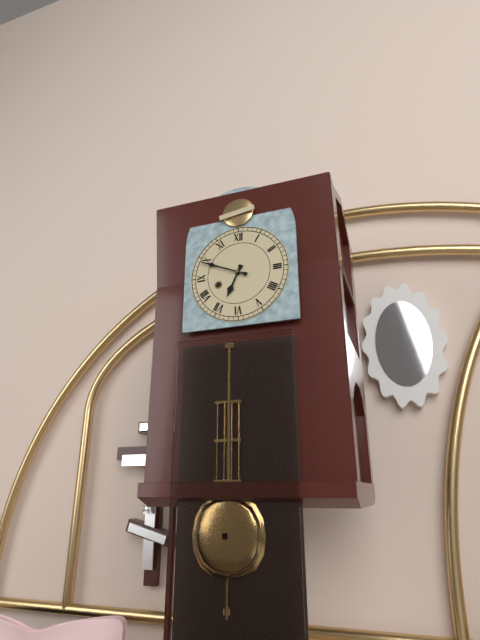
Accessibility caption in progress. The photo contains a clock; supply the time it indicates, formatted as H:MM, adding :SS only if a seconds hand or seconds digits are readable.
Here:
6:49
